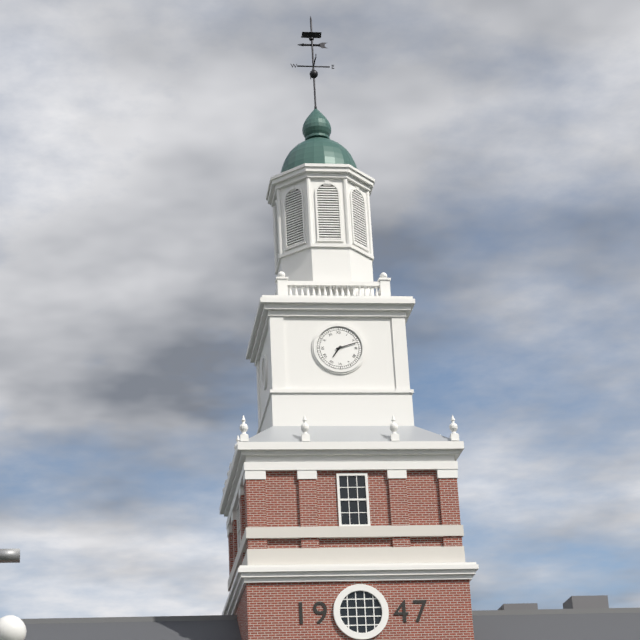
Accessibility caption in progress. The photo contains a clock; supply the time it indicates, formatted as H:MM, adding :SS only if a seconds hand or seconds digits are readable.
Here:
7:12
